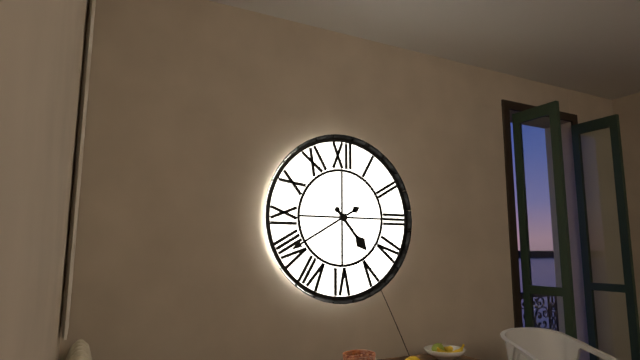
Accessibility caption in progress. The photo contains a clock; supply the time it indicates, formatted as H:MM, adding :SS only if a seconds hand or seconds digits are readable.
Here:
4:40
